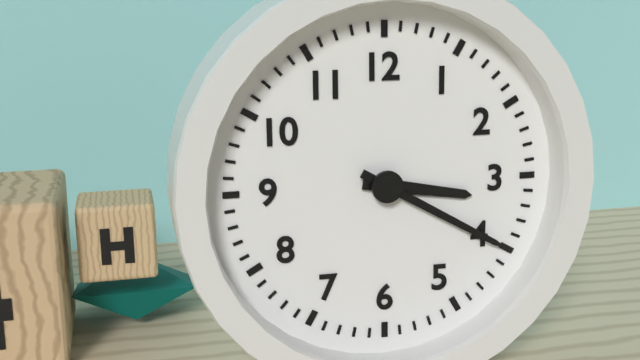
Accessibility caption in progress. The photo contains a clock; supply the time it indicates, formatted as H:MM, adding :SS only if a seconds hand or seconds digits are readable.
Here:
3:20
